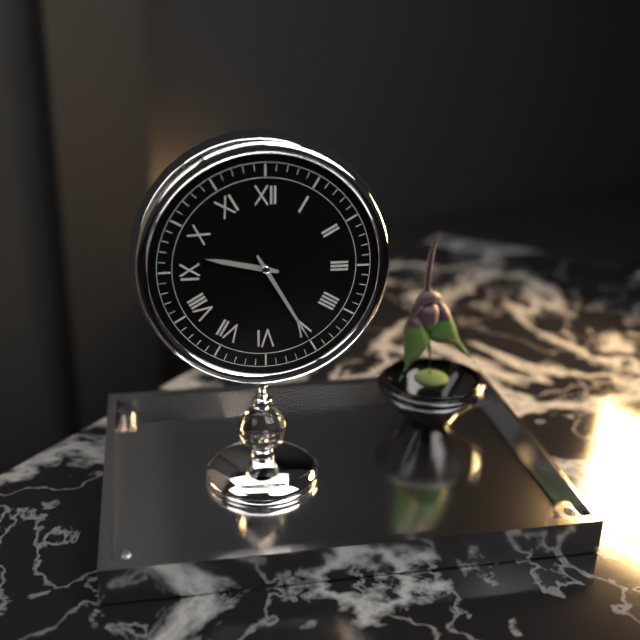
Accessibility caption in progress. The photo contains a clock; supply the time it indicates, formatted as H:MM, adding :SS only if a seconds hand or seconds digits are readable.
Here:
9:25
